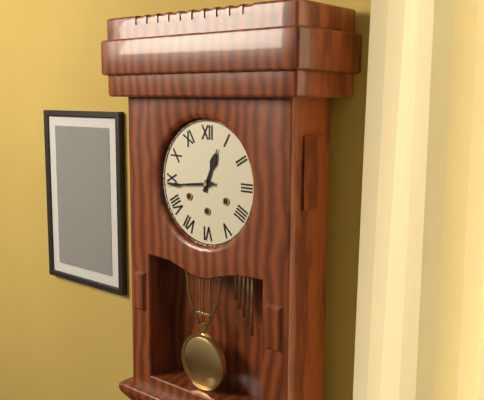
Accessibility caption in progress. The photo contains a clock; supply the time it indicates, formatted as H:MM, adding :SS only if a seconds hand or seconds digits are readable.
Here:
12:44
